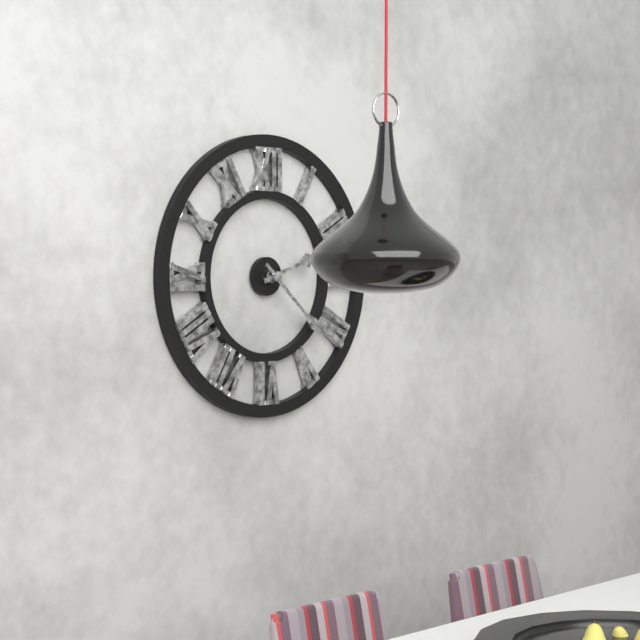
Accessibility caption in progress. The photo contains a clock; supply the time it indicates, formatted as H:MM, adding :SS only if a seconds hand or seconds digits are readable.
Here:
2:22
